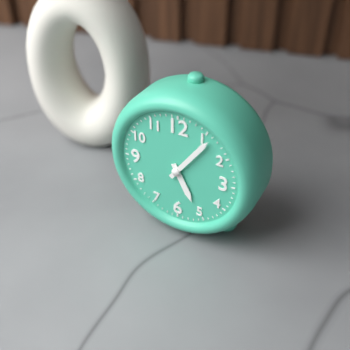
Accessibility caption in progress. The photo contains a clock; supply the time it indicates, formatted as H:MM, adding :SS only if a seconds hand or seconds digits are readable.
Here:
5:06
